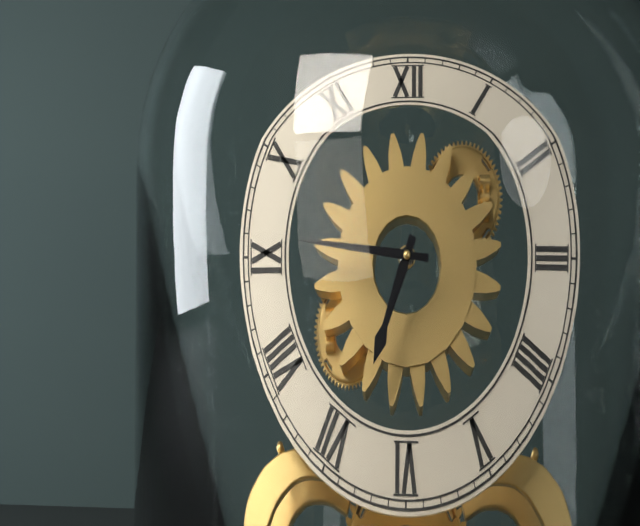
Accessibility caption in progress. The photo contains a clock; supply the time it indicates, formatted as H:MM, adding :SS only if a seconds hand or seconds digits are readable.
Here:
6:46
